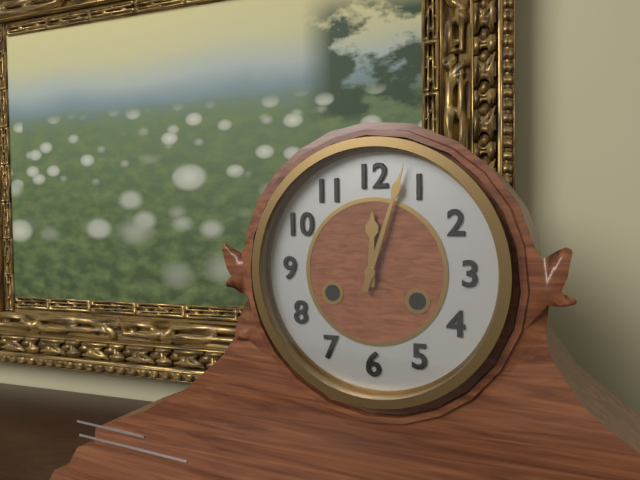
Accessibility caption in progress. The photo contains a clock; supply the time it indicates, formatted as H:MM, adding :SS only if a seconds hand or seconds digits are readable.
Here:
12:03
